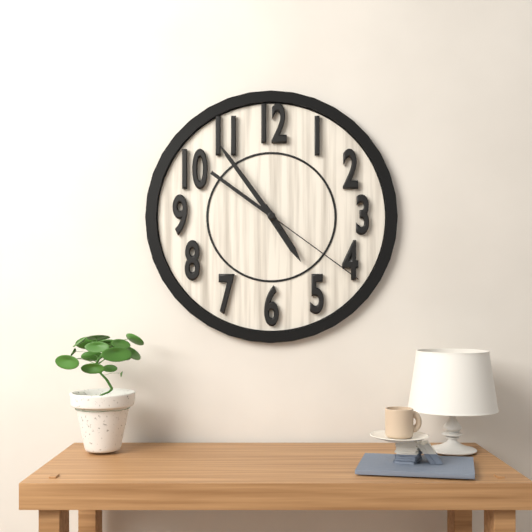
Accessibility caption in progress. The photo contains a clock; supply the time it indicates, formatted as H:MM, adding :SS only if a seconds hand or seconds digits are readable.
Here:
4:54:21
